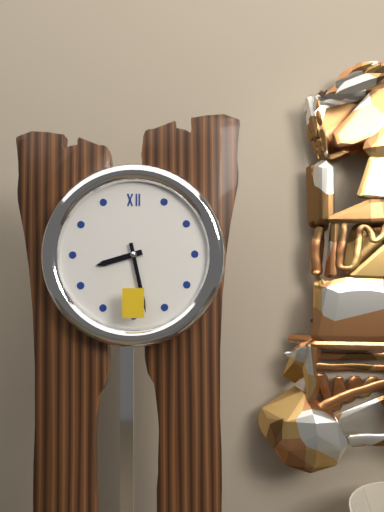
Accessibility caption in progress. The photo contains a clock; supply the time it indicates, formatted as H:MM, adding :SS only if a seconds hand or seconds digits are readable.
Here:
8:28
